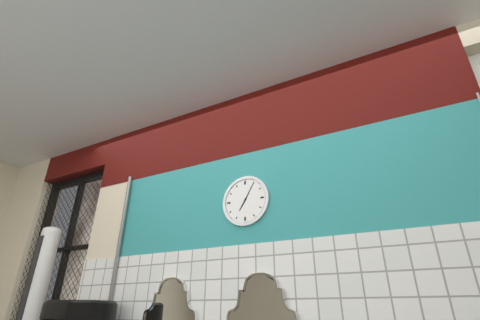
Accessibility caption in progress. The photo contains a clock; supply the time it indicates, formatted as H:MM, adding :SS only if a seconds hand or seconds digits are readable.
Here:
7:05
